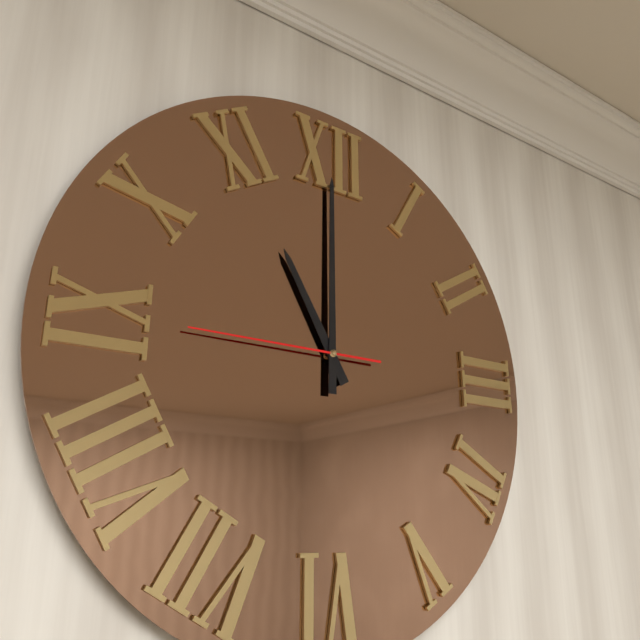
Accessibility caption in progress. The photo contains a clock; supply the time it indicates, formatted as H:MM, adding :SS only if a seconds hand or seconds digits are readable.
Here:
11:00:45
